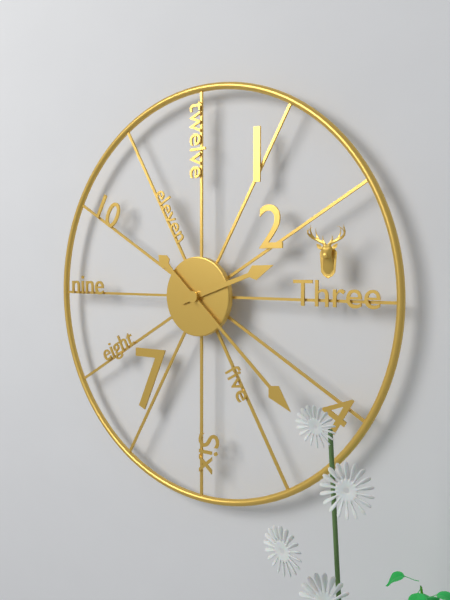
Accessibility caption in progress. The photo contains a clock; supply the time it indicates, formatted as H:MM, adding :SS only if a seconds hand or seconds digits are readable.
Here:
2:22
